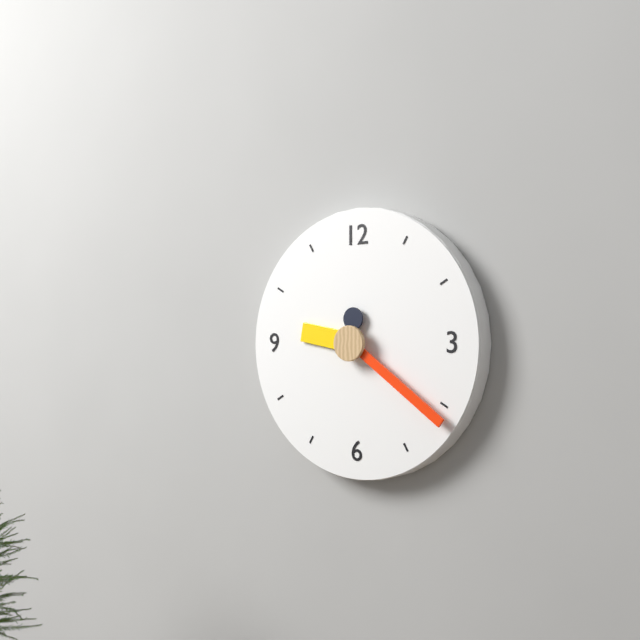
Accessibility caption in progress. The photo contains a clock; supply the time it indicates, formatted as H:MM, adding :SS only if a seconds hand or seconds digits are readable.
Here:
9:21
